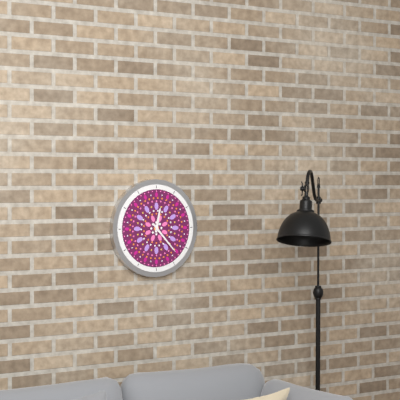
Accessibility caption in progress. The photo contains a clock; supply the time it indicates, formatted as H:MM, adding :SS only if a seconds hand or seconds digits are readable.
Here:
12:23
